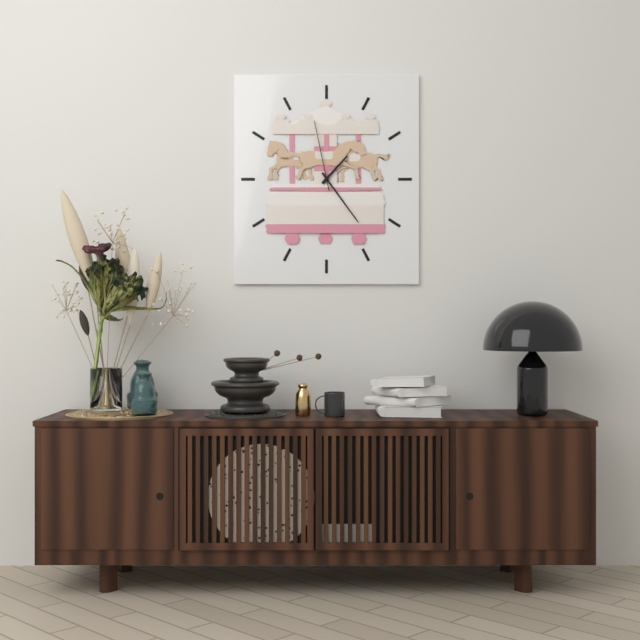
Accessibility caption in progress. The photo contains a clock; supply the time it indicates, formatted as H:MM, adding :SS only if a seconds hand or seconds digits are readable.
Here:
1:24:58
